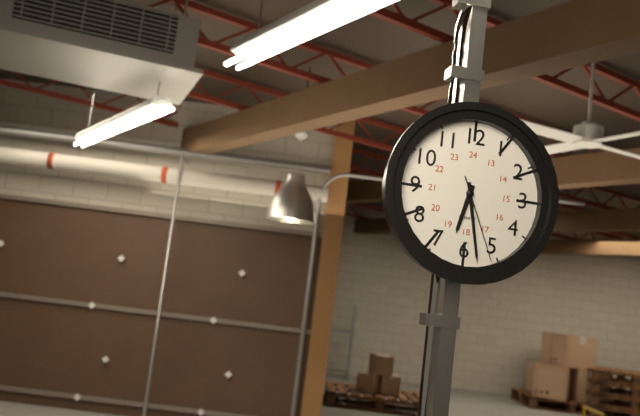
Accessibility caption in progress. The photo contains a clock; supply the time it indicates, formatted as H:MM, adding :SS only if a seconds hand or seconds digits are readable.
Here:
6:28:26
